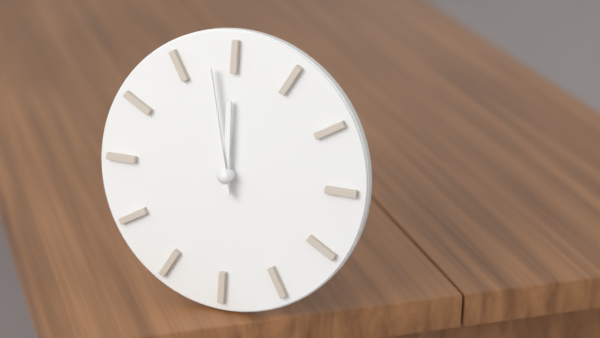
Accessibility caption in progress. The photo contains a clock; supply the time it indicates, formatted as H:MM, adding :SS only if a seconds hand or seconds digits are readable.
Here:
11:58
